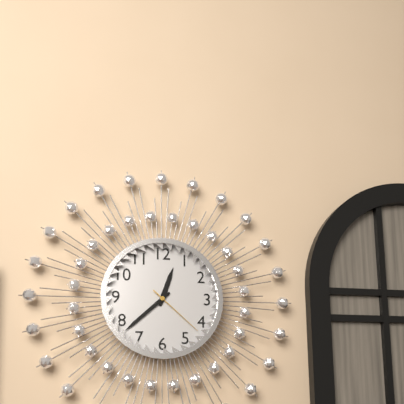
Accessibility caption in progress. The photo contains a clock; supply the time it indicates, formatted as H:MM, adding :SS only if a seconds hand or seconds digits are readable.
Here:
12:38:22
